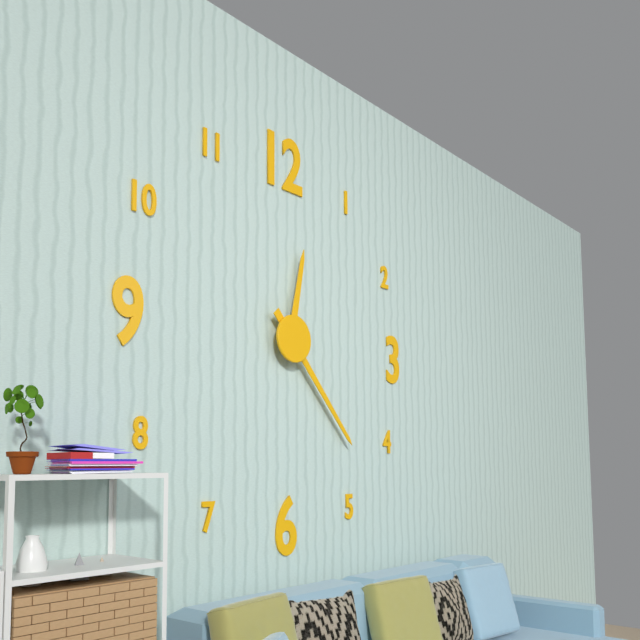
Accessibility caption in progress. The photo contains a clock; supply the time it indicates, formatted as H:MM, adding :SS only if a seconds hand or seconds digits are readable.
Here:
12:23
